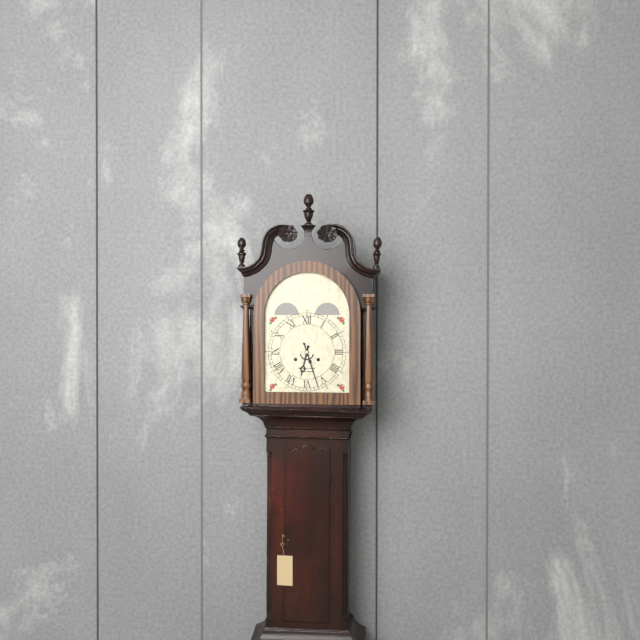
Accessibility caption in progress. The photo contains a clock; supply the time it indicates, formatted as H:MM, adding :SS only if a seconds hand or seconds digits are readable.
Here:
6:27
